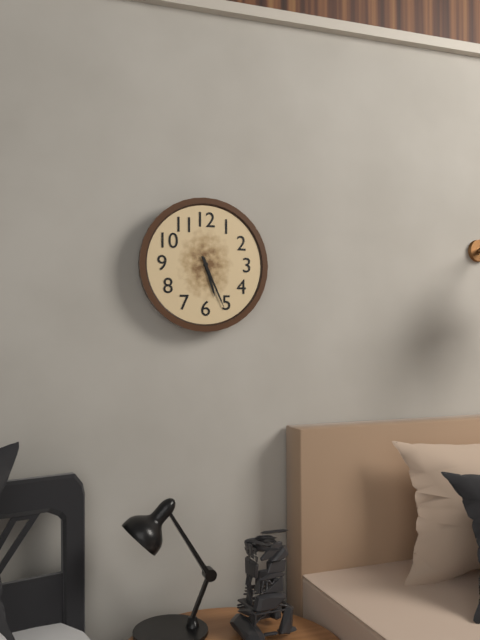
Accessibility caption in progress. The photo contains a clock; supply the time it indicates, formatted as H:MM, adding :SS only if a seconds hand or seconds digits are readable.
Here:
5:26
